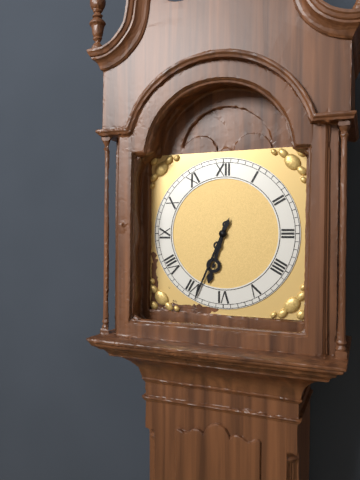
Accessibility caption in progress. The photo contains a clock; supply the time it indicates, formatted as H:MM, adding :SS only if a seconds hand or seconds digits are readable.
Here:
6:34
